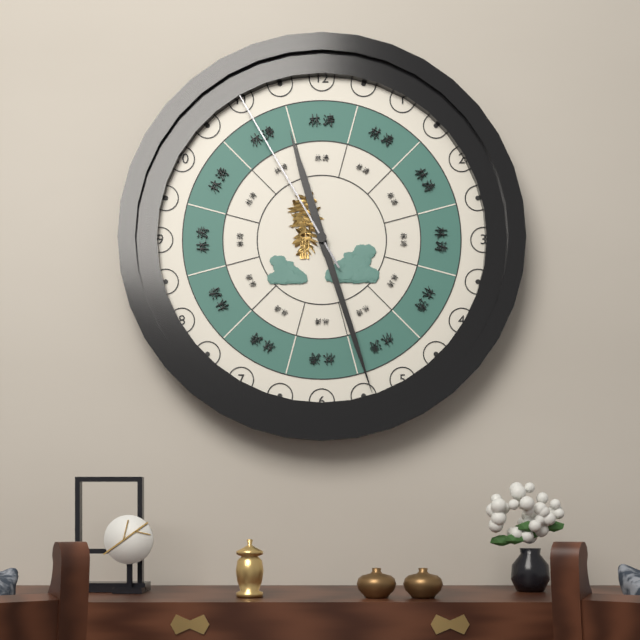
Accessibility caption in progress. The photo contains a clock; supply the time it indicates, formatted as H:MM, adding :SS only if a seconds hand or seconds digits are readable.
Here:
11:27:55
